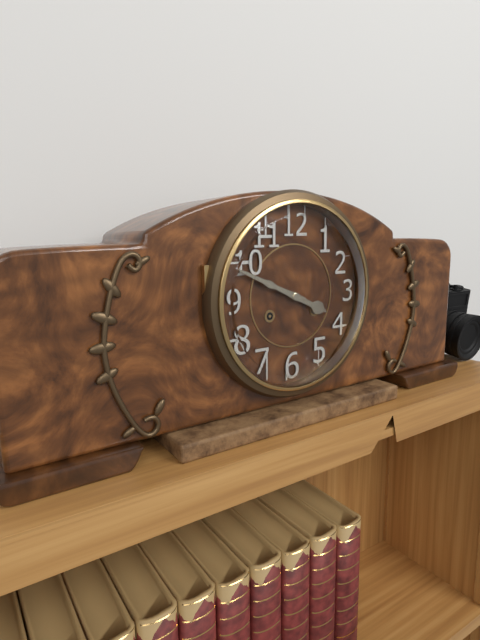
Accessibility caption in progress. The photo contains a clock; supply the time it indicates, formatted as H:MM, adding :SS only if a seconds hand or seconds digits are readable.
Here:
3:49
